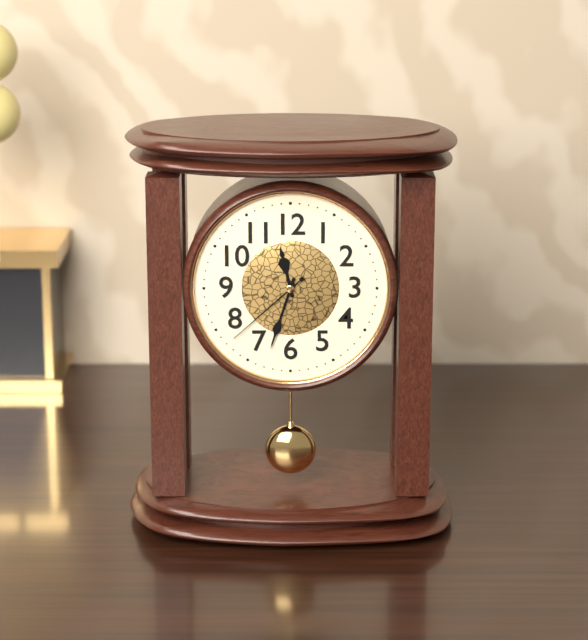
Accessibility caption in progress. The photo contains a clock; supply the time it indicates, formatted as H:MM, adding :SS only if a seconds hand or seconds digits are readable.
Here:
11:33:38
